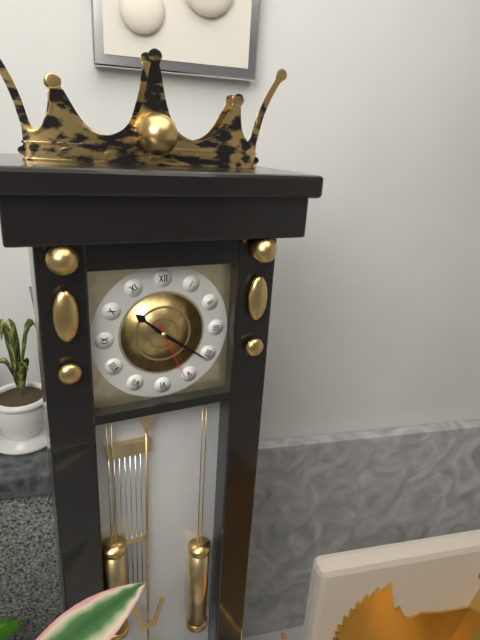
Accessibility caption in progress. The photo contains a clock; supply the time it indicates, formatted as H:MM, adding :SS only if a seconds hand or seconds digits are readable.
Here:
10:21:26
